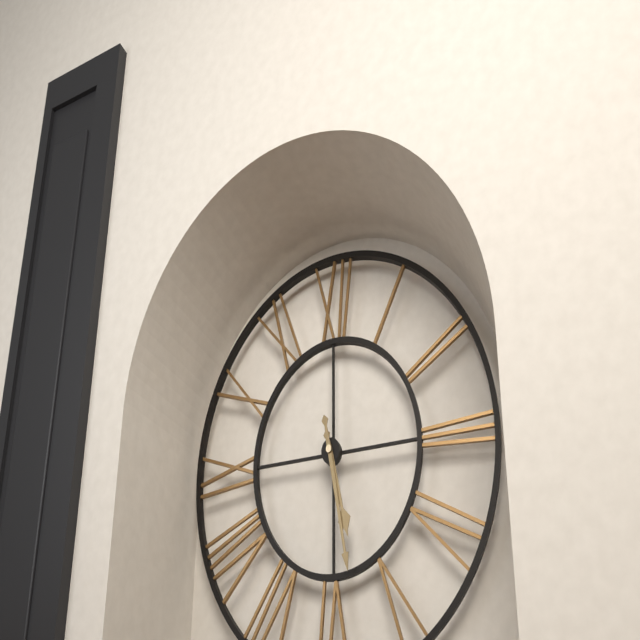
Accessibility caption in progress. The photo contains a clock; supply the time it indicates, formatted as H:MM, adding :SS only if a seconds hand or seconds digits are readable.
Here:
5:28
